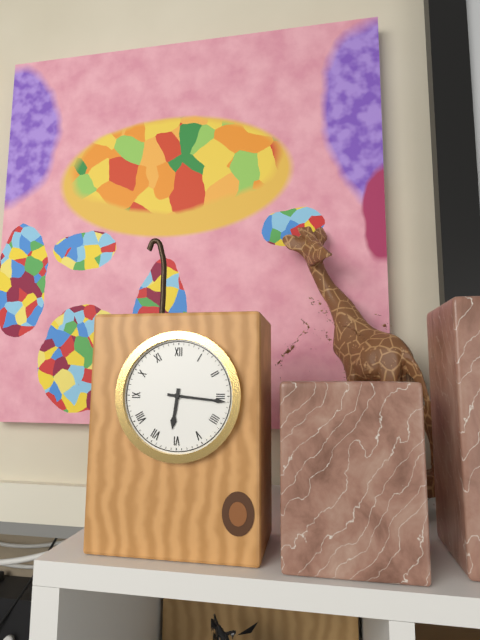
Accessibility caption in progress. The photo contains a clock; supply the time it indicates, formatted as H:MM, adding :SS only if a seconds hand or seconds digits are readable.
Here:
6:16
